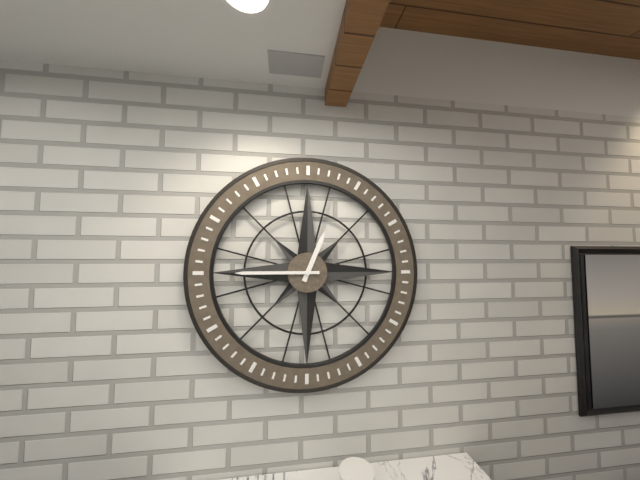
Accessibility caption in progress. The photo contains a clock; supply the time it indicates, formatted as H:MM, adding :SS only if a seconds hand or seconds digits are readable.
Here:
12:45
